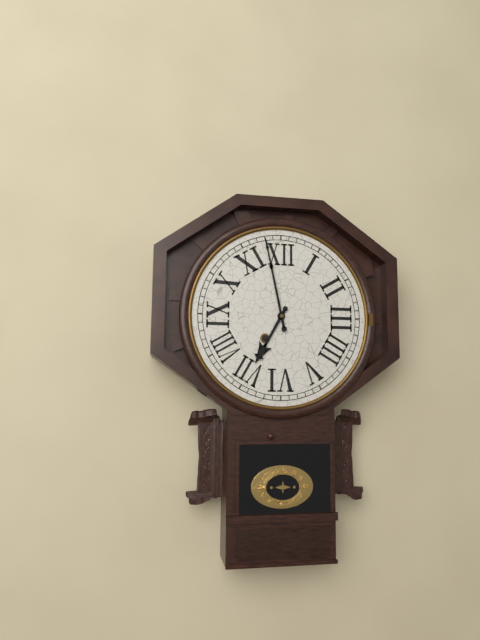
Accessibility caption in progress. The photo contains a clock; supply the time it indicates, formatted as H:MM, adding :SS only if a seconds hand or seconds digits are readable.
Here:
6:58
